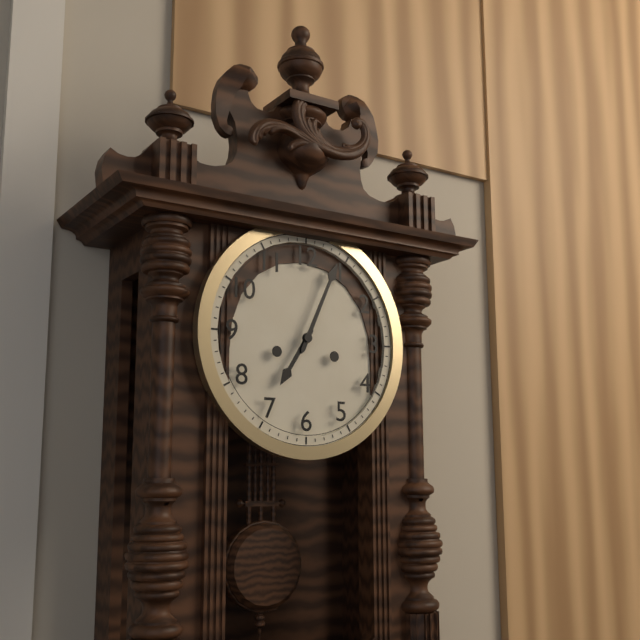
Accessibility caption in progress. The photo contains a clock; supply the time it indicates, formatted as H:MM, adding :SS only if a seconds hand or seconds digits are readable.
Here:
7:04
